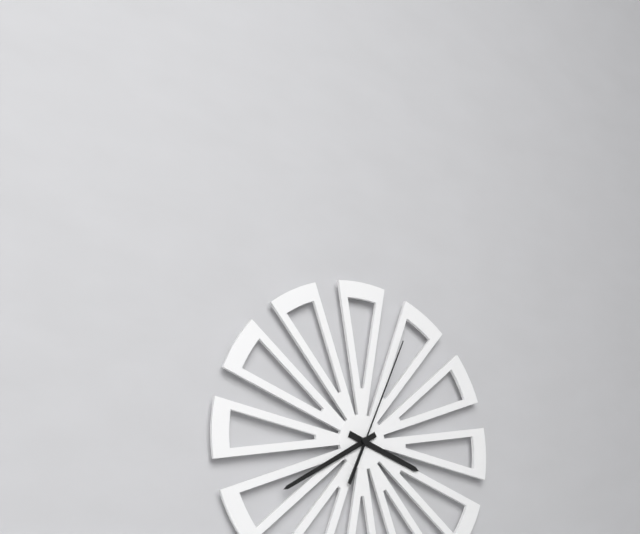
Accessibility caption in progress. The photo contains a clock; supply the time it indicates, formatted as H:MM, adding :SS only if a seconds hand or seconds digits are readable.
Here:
3:40:04
